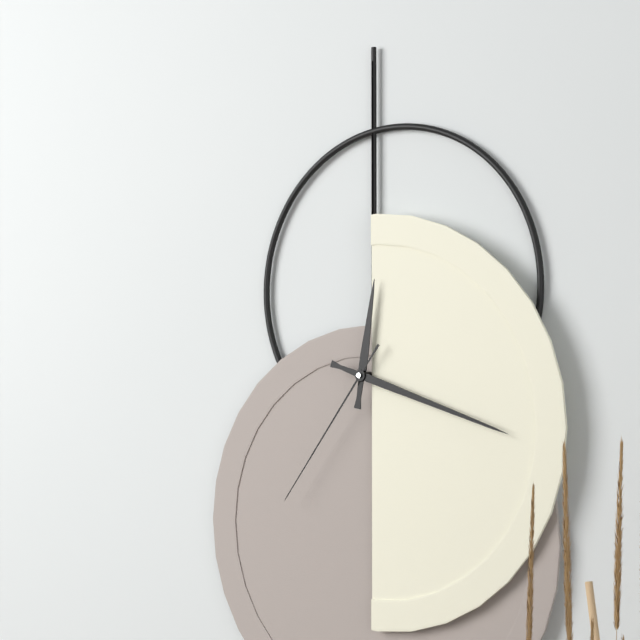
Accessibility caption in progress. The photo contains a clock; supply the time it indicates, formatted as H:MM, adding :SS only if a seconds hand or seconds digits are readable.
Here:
12:18:36
